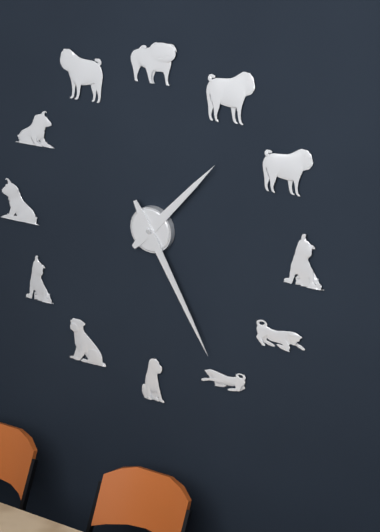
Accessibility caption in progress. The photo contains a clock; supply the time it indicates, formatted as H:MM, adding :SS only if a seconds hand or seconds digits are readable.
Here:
1:25
